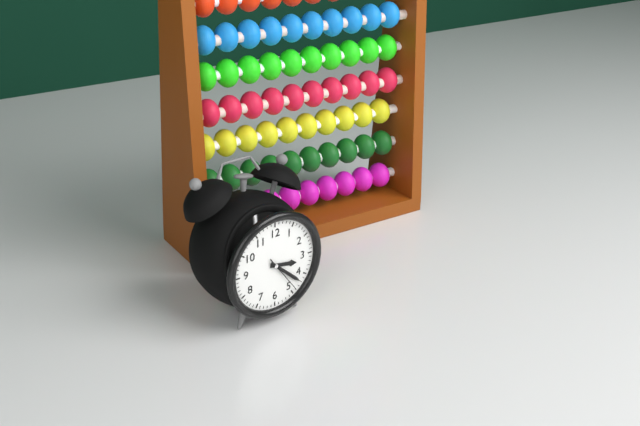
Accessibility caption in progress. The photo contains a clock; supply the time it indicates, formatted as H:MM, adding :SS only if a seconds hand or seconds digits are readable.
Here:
3:22
